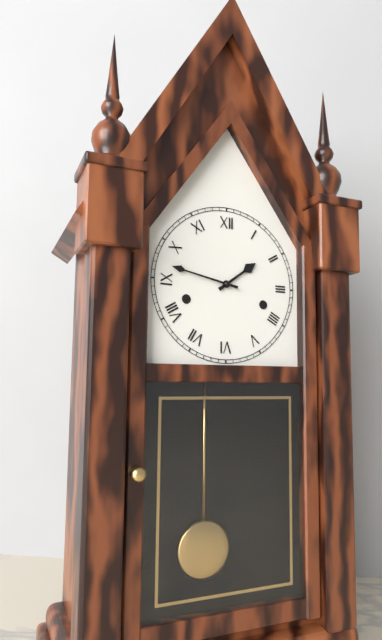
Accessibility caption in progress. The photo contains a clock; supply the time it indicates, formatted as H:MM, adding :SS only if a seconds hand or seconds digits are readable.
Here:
1:47
